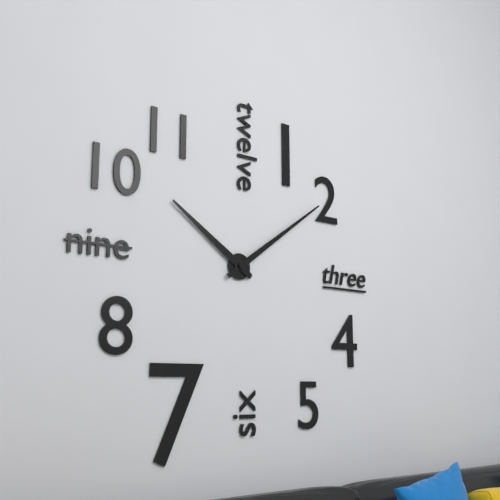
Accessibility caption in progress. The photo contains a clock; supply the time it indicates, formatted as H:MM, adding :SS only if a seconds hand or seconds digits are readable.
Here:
10:09
